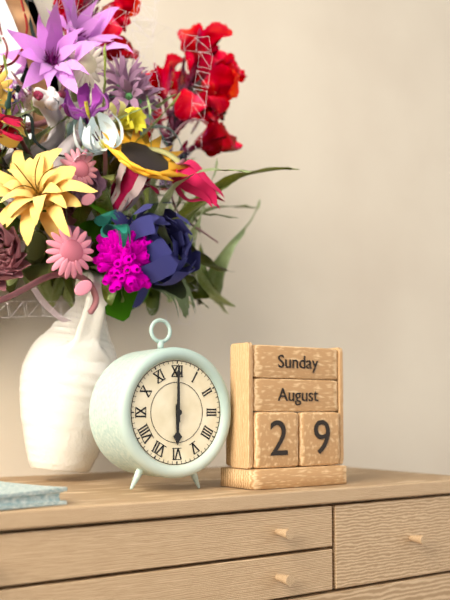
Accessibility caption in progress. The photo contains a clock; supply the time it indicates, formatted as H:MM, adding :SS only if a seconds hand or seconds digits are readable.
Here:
6:00
